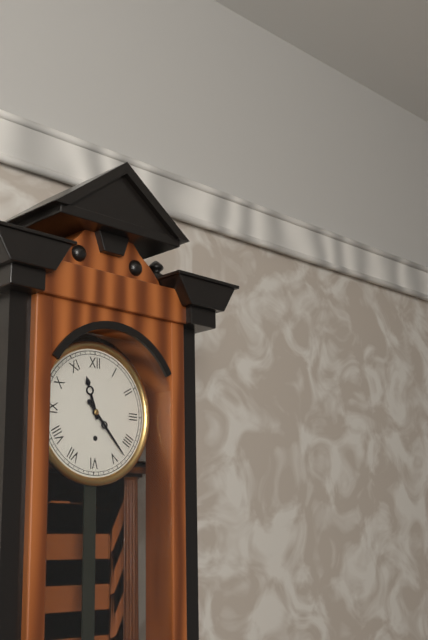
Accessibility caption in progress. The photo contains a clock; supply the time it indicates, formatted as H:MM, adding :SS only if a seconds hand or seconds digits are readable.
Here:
11:23
